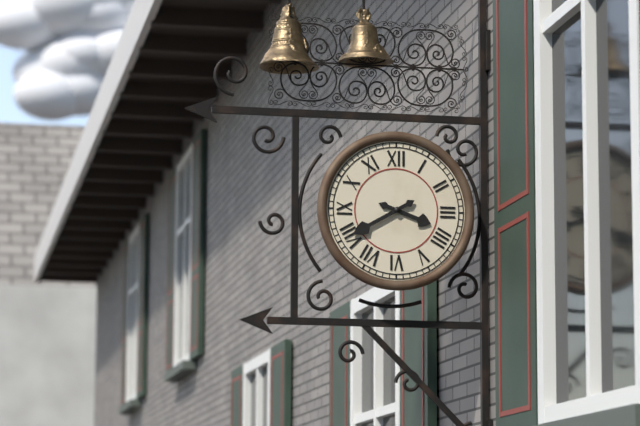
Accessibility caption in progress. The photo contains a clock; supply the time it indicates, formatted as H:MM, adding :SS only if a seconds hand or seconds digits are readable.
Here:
3:40
